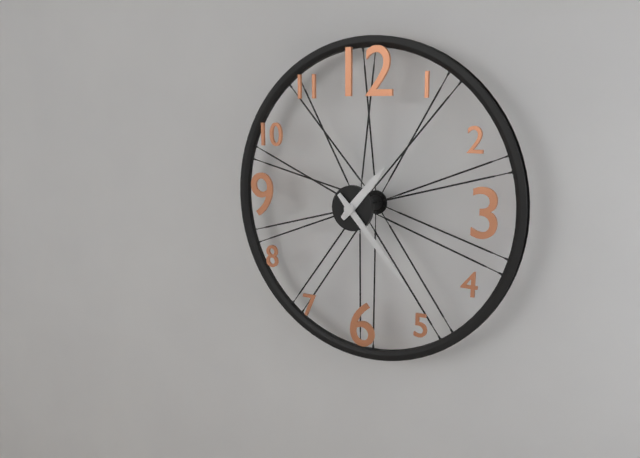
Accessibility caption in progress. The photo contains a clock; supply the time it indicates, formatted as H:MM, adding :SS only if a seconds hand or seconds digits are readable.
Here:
1:23
